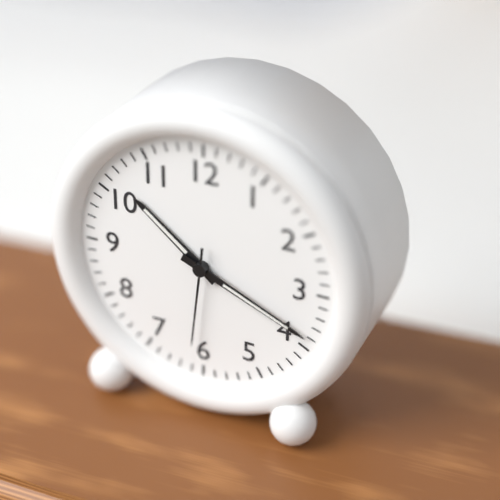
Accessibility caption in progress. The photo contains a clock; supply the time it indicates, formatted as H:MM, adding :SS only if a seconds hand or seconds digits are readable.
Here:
10:19:31
